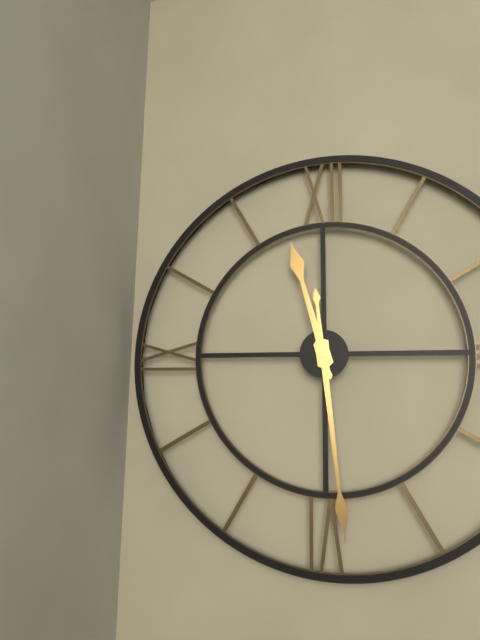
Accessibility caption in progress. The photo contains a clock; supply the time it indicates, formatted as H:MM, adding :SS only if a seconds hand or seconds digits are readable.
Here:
11:29
